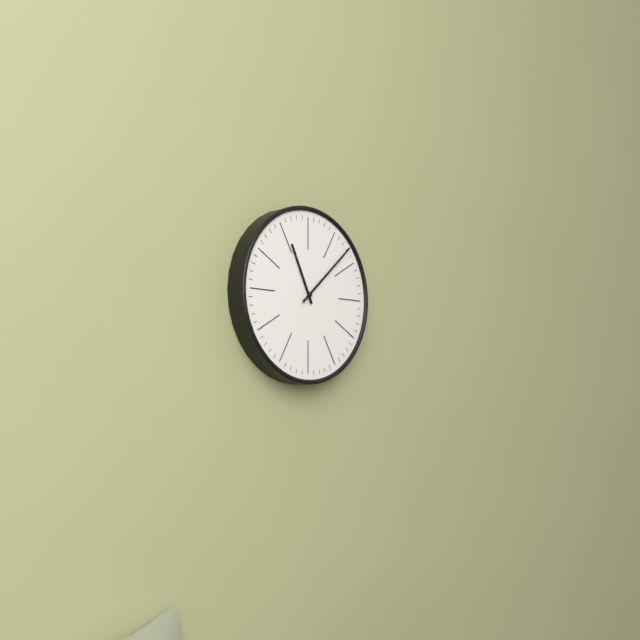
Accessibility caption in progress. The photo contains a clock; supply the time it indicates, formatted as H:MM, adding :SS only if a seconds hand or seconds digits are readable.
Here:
11:08
